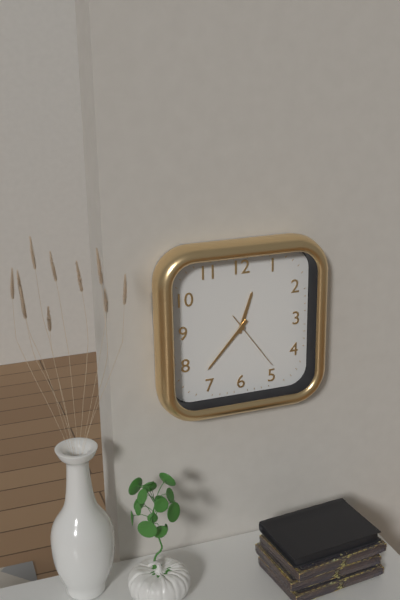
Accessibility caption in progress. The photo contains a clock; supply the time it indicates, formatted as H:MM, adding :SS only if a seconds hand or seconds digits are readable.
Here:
12:37:24
